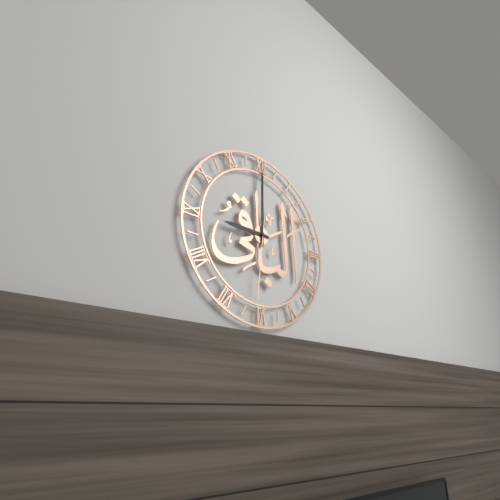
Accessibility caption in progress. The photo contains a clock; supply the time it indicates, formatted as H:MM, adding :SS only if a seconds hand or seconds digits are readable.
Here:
9:00:31
